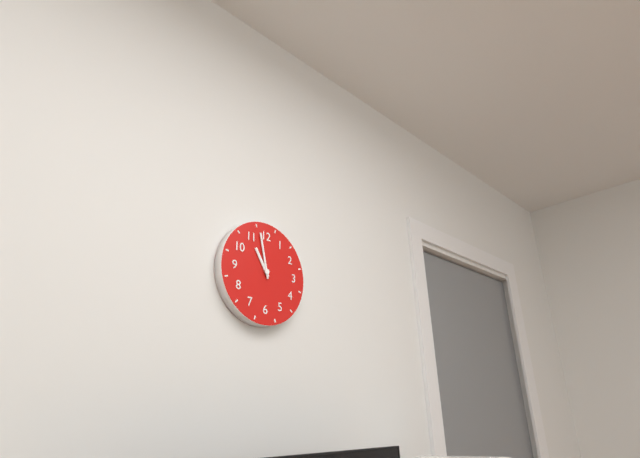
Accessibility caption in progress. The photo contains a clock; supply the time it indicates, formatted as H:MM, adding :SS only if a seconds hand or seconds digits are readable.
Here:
10:58
